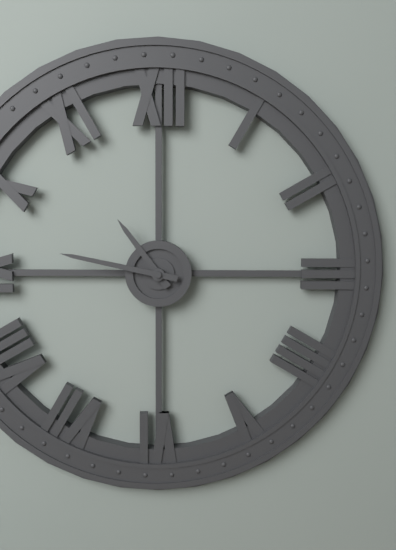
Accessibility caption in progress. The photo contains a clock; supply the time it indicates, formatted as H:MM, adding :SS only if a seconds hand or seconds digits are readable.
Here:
10:47
